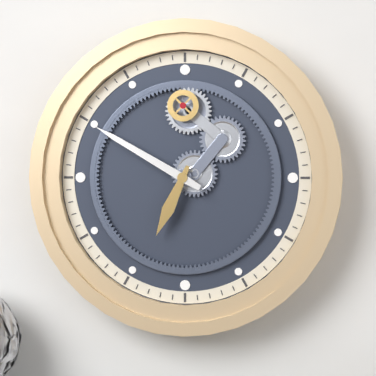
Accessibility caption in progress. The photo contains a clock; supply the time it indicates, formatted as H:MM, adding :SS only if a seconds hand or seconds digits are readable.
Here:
6:50
